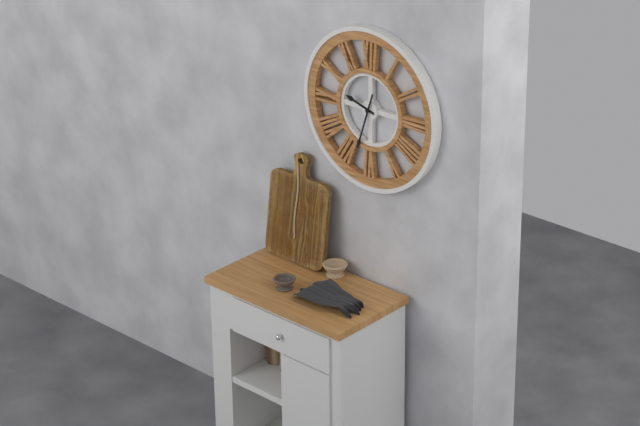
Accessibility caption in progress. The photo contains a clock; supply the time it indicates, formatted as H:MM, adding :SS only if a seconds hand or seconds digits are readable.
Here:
9:33
